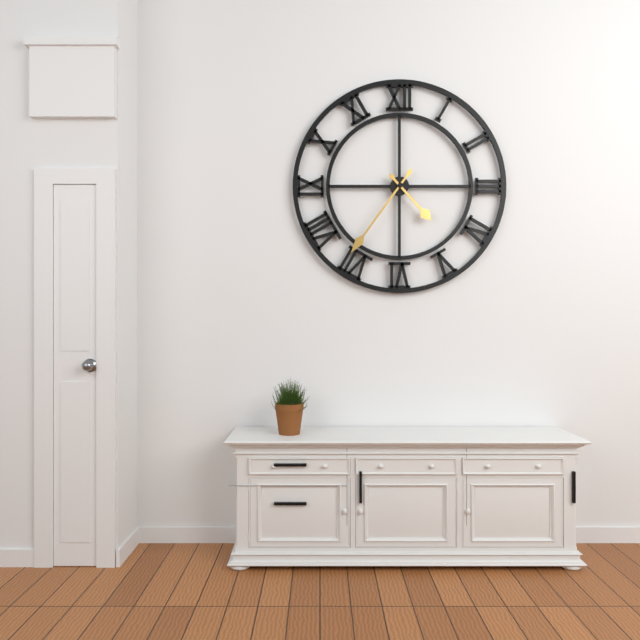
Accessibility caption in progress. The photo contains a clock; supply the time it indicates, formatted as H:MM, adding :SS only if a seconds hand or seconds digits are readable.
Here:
4:36
